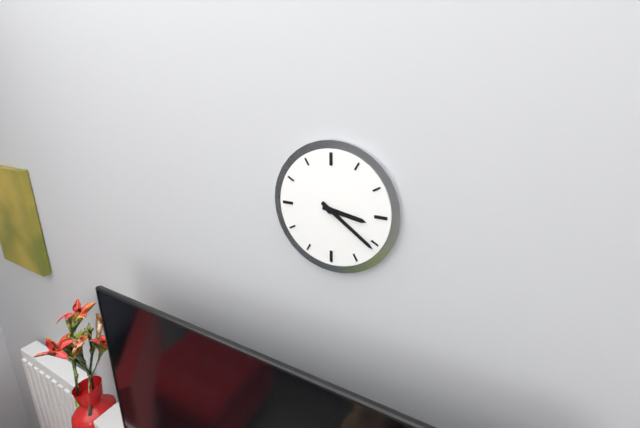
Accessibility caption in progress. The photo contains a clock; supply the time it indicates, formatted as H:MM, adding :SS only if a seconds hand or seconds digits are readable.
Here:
3:21
